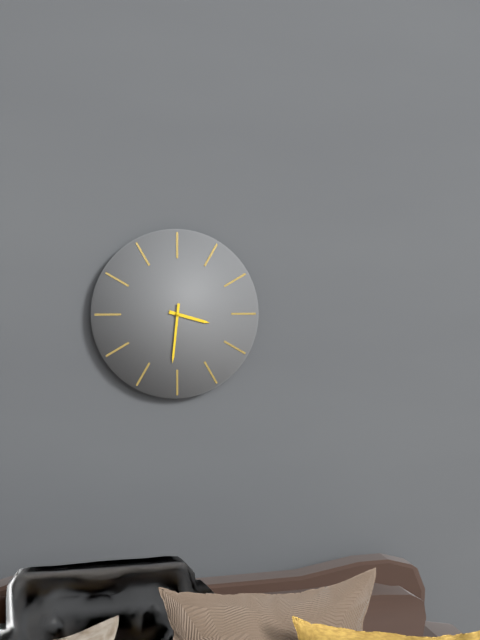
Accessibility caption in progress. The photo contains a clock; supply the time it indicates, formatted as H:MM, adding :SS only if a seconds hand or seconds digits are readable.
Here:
3:31
